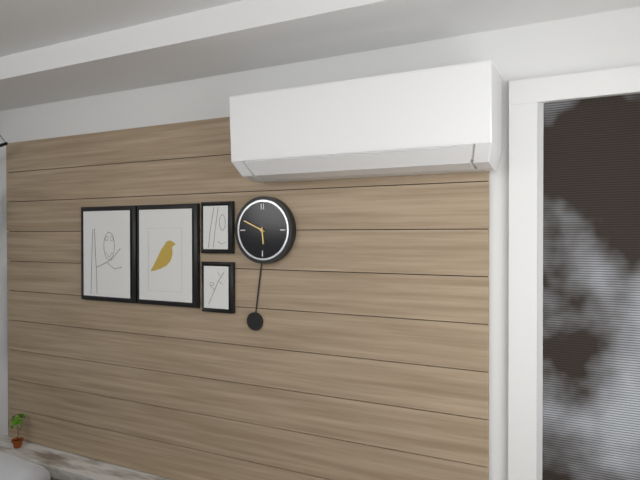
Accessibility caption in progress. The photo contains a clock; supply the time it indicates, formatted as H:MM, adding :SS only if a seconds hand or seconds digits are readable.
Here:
5:49
